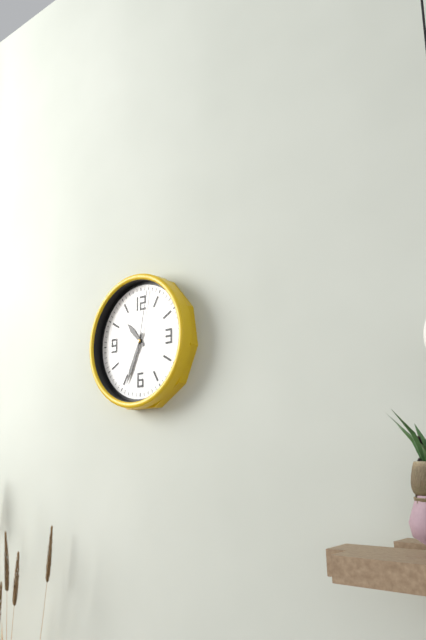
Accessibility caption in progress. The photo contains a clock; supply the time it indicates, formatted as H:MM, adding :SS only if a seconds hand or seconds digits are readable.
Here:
10:34:02
